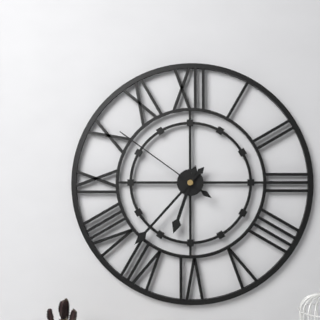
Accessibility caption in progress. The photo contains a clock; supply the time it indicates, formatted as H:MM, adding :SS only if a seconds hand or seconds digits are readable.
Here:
6:37:51
